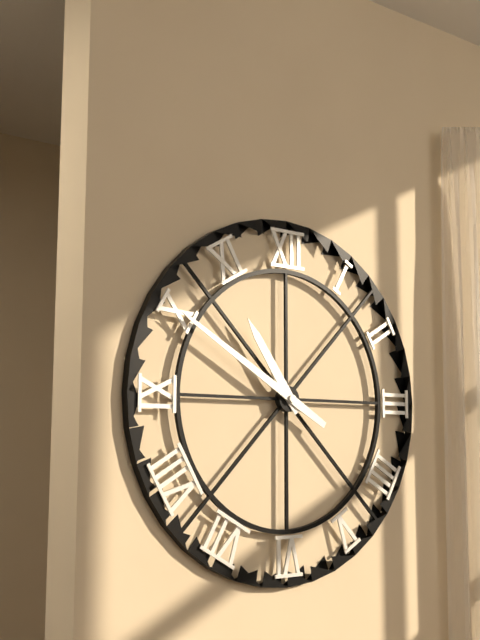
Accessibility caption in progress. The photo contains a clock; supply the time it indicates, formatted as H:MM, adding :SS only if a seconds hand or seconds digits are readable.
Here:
10:50
